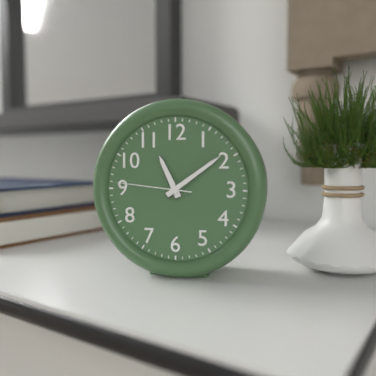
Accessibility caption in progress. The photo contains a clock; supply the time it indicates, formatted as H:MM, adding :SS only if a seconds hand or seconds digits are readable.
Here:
11:09:46
